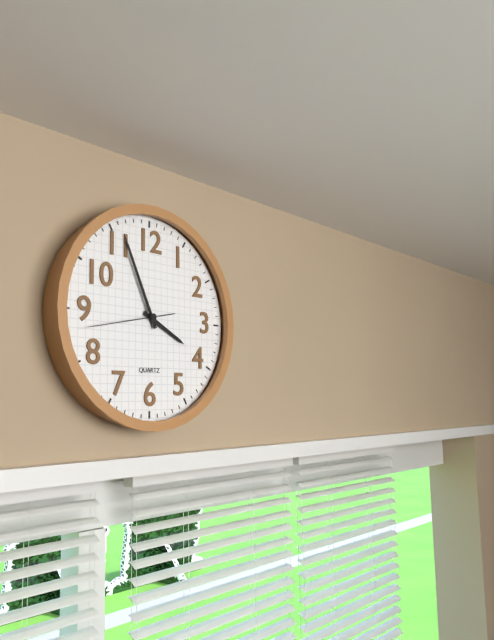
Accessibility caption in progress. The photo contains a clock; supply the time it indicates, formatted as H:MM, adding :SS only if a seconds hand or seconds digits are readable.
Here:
3:56:43
